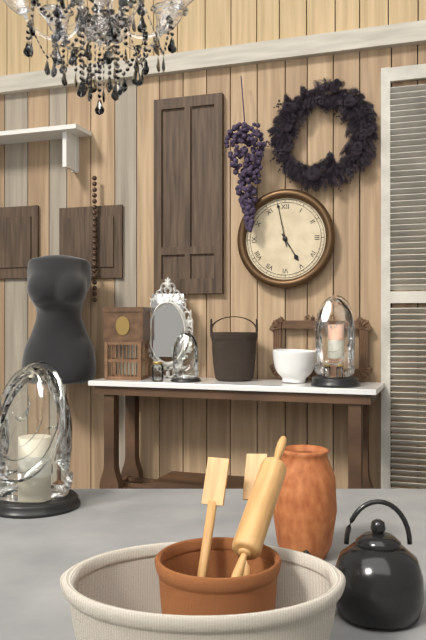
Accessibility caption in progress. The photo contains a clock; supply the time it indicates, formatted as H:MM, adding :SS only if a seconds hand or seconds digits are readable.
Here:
4:58
